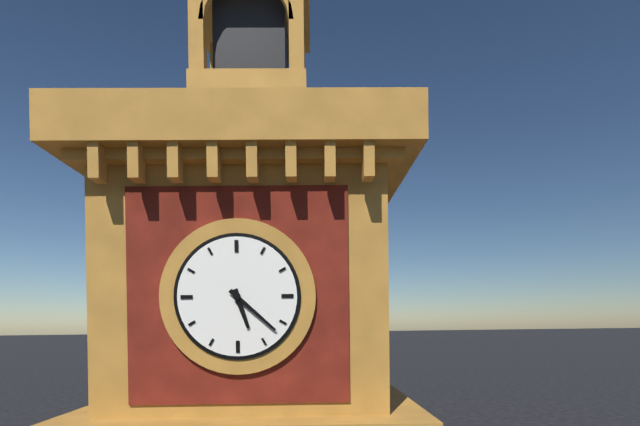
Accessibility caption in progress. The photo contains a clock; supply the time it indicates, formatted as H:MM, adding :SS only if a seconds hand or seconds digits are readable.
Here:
5:22
